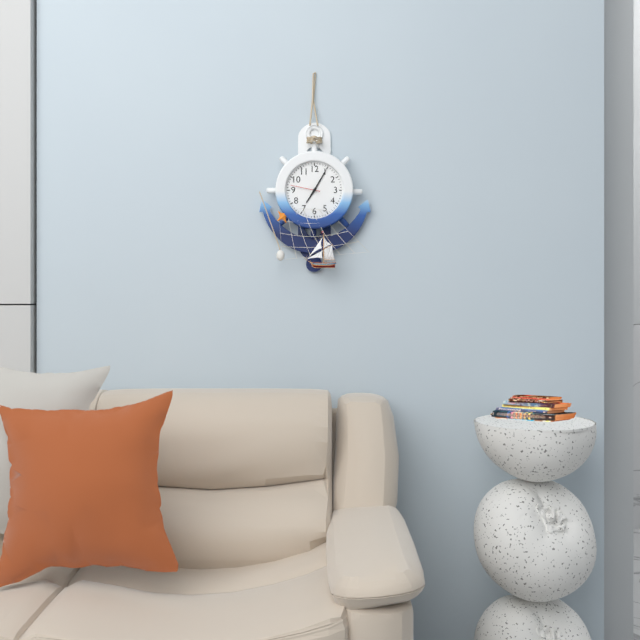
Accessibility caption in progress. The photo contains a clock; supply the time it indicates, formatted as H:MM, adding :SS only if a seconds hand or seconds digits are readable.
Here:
7:05
